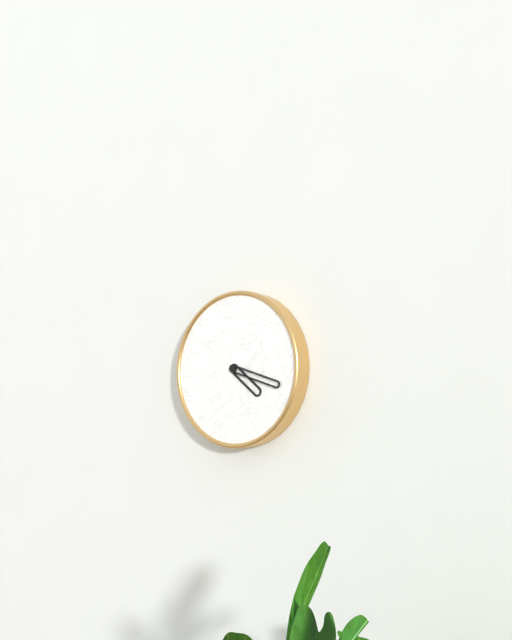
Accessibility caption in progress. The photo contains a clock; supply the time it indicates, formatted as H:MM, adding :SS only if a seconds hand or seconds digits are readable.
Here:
4:18
